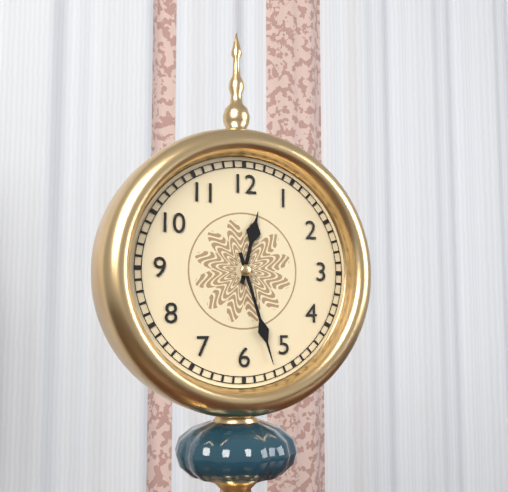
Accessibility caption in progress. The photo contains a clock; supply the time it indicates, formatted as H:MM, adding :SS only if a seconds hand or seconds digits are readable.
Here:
12:27
